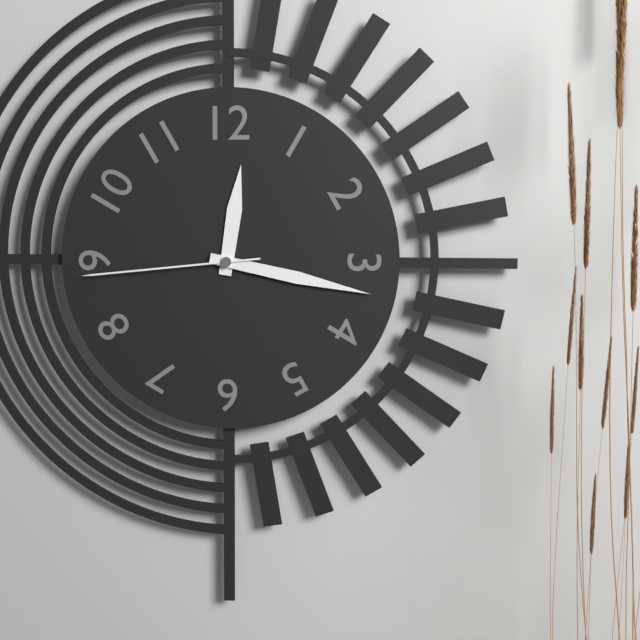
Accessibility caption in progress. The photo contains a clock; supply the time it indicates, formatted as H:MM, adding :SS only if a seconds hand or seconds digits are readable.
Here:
12:17:44
